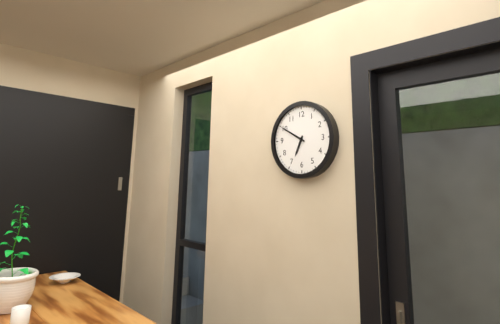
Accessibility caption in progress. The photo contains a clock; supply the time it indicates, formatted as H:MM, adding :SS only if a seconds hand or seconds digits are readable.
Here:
6:50
